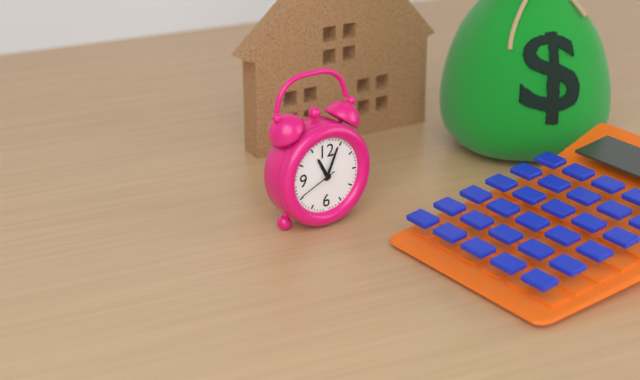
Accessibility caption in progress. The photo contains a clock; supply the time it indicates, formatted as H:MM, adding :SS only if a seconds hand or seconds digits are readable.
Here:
11:04
